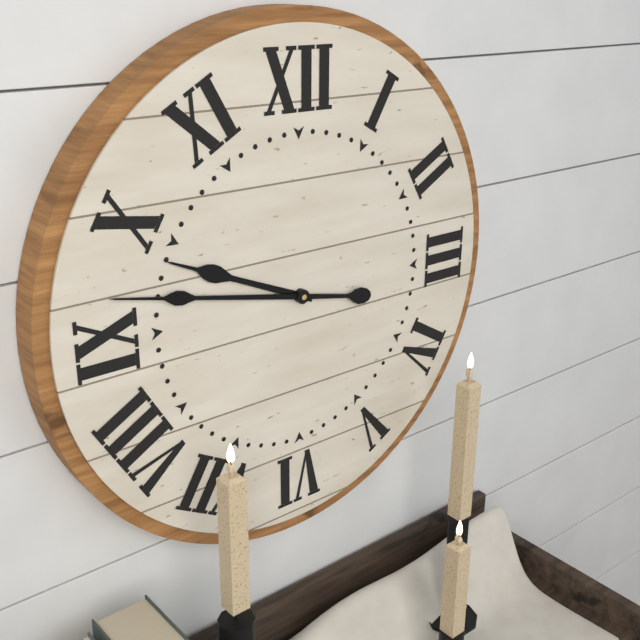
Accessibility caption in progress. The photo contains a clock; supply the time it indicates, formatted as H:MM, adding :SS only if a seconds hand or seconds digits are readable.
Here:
9:47
